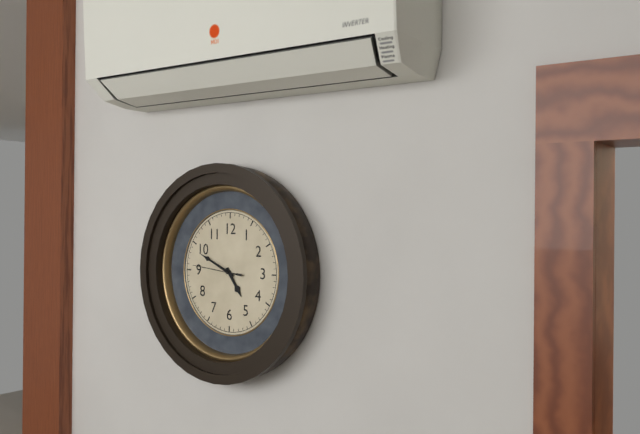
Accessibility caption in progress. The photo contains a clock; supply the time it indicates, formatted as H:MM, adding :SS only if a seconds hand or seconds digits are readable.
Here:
4:49
